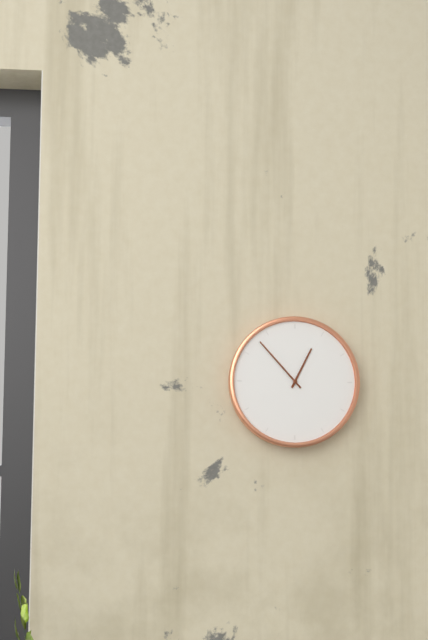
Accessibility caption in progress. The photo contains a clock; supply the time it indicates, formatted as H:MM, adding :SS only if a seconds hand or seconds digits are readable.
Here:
12:53
